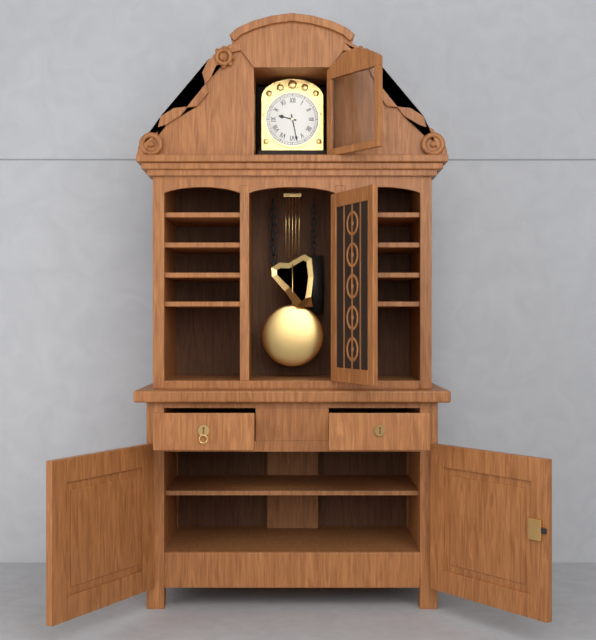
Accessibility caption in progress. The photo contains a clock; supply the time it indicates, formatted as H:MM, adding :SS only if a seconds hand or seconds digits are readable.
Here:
9:28
